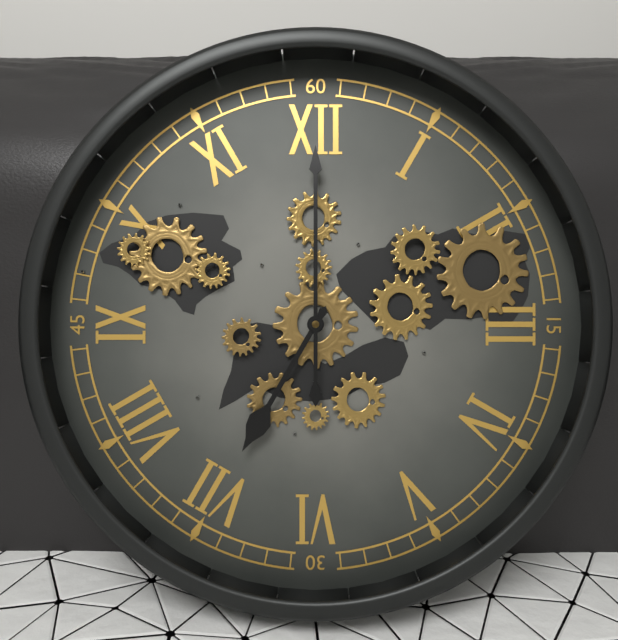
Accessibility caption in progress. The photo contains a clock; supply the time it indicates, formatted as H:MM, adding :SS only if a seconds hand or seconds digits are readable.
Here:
7:00
